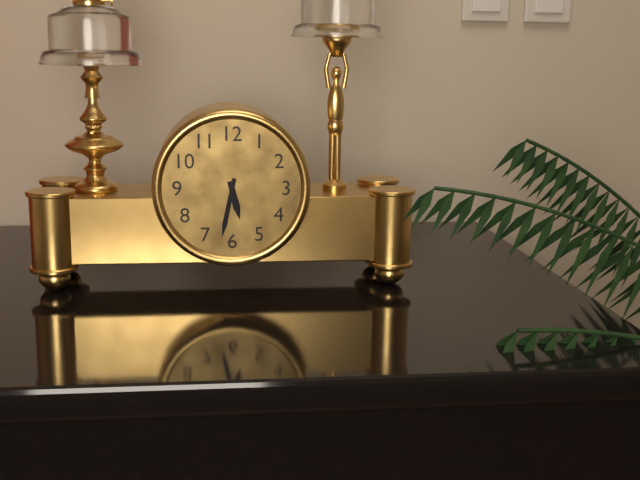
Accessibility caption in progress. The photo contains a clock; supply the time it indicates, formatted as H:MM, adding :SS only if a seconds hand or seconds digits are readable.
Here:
5:32
